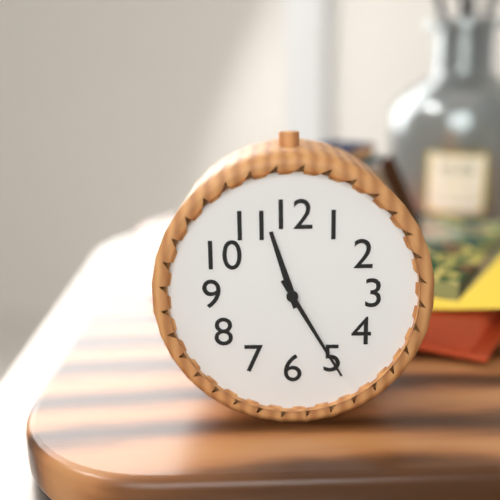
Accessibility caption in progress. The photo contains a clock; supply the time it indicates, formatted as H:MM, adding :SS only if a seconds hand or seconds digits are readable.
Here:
11:25
